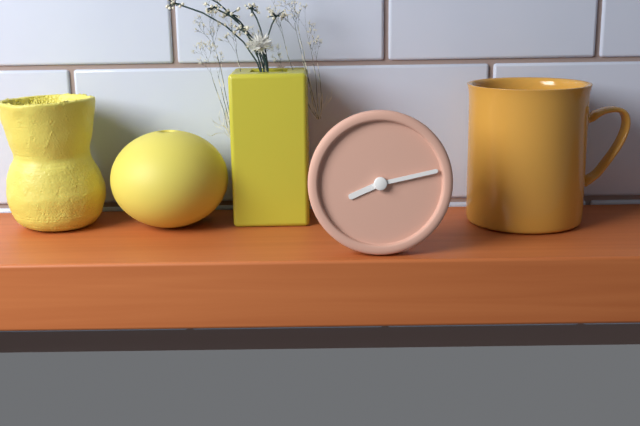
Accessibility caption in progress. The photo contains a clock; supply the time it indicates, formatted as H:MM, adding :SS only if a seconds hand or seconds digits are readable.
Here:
8:13
